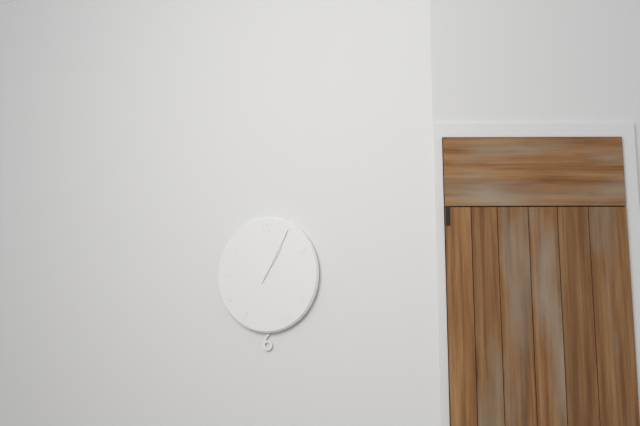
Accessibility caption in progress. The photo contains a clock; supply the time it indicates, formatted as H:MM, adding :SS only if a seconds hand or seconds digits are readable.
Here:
1:05
